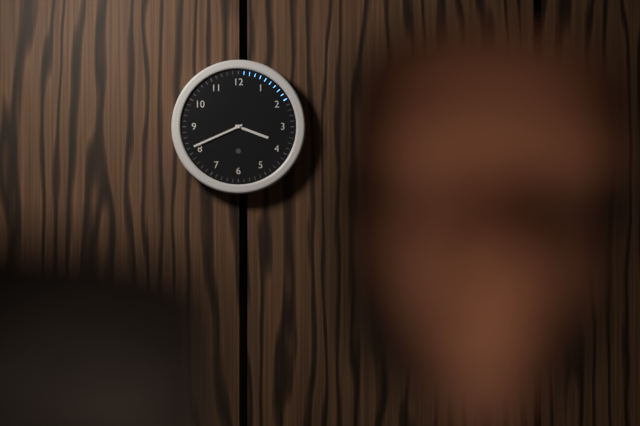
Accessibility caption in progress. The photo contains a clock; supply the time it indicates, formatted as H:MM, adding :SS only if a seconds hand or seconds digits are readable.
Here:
3:41
